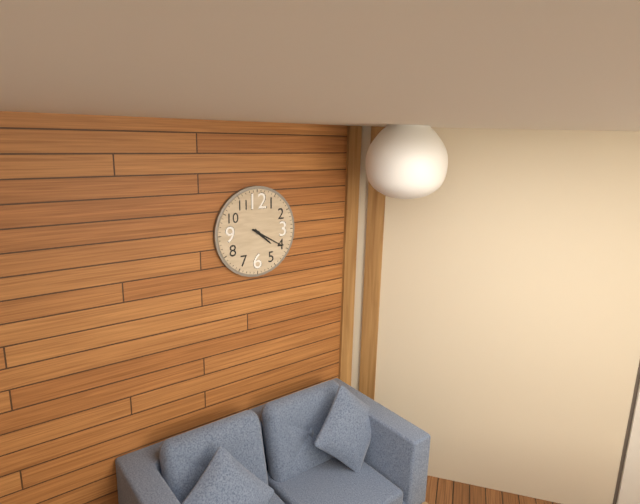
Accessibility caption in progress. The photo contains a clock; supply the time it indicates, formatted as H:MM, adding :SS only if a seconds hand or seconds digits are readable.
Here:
4:20
